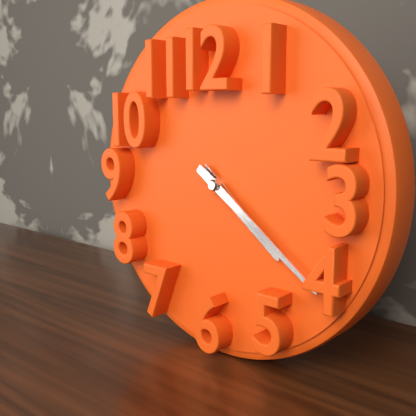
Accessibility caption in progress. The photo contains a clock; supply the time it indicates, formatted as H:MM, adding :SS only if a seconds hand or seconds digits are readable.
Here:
4:21
